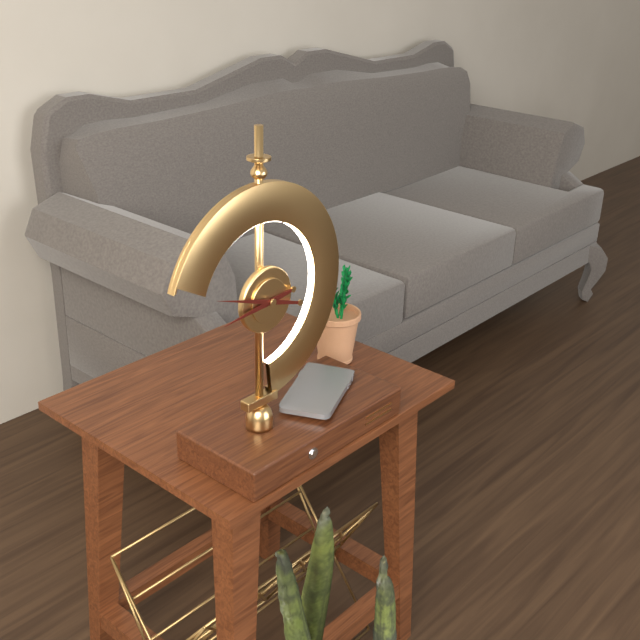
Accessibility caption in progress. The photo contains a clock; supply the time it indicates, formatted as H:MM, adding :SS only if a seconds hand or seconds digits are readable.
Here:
8:48
